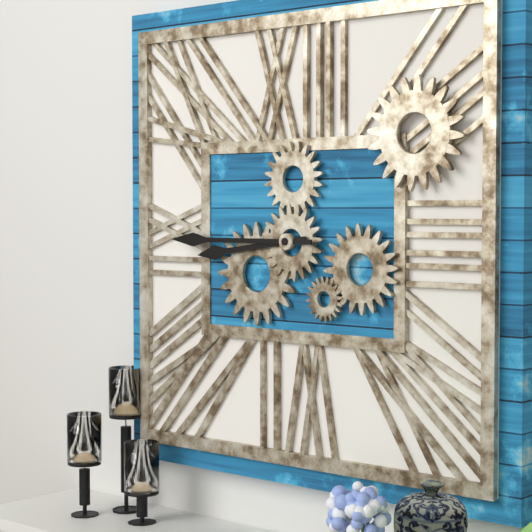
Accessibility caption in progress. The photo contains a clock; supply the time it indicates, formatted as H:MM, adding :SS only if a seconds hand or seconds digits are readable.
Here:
8:45
